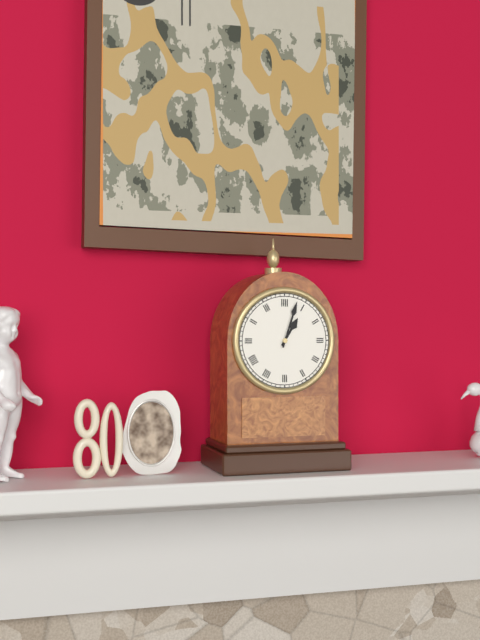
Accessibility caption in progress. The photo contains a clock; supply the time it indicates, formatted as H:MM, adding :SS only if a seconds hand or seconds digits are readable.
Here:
1:03
